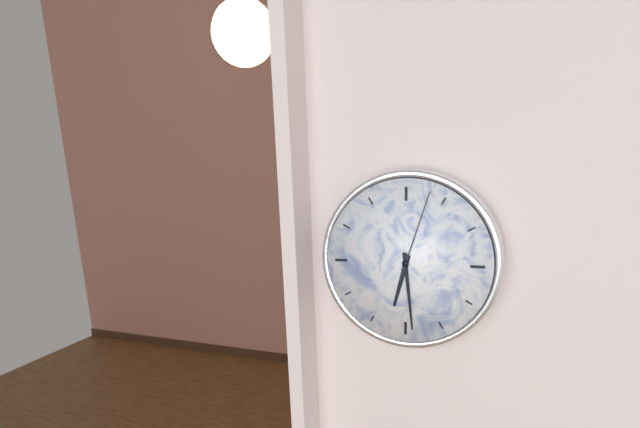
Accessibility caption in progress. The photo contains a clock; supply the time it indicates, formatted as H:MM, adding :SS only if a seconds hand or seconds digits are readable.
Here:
6:29:03
